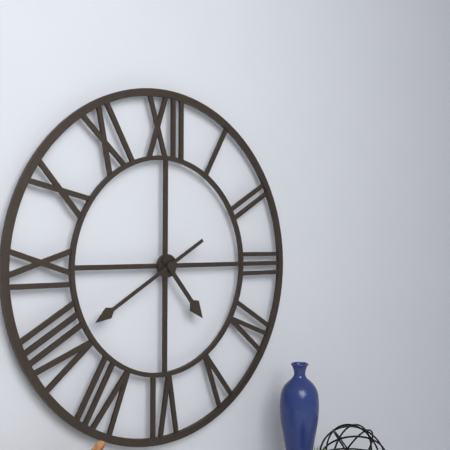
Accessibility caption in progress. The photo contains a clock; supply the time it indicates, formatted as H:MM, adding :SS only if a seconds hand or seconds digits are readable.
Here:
4:40
